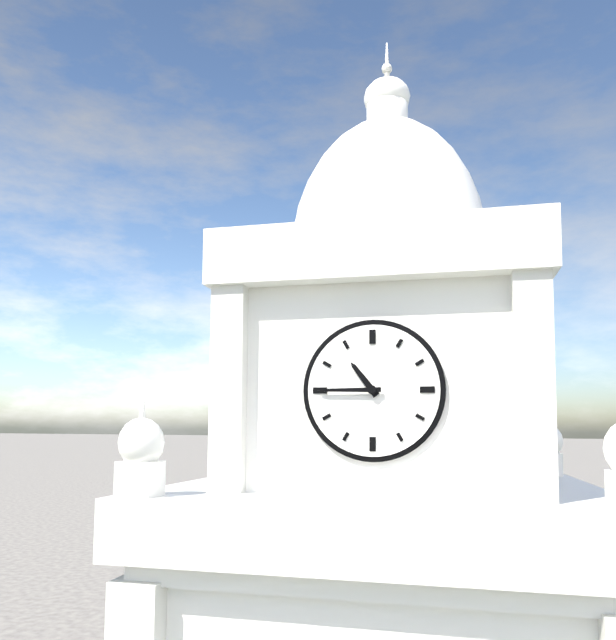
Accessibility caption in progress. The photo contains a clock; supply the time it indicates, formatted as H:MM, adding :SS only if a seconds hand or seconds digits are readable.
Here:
10:45
